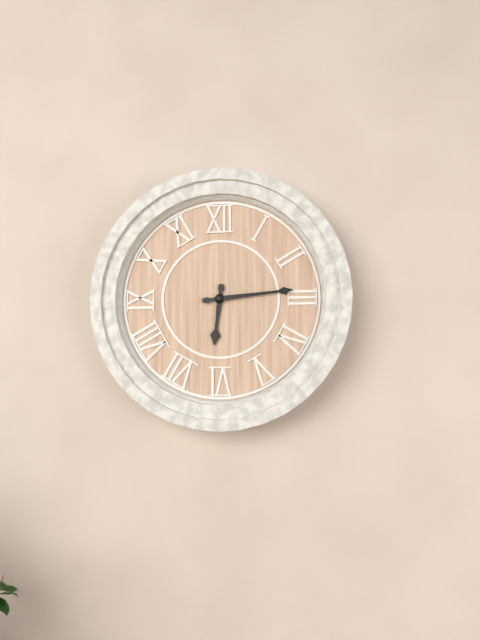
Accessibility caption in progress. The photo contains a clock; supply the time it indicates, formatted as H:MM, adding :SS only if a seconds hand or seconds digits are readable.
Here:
6:14
